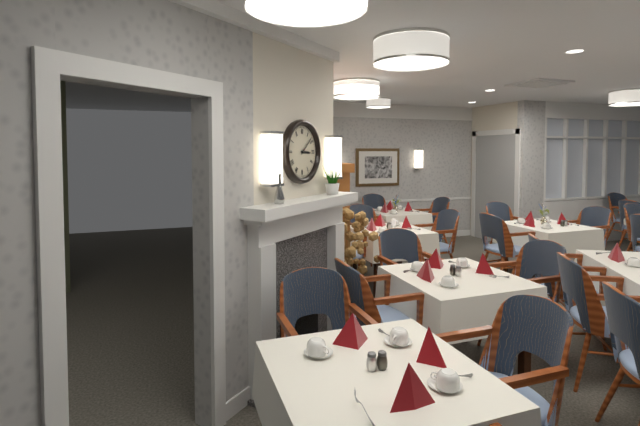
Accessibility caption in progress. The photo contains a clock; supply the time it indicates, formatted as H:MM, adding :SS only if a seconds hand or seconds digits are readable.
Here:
3:08
